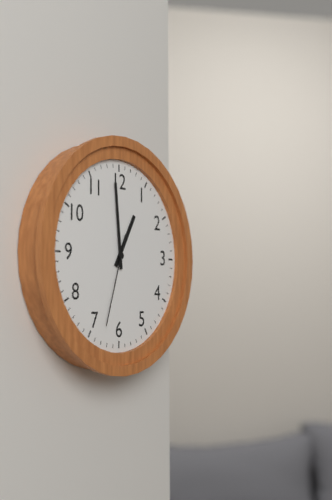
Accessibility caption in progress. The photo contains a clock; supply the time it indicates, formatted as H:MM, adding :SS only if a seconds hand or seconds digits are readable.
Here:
12:59:33
